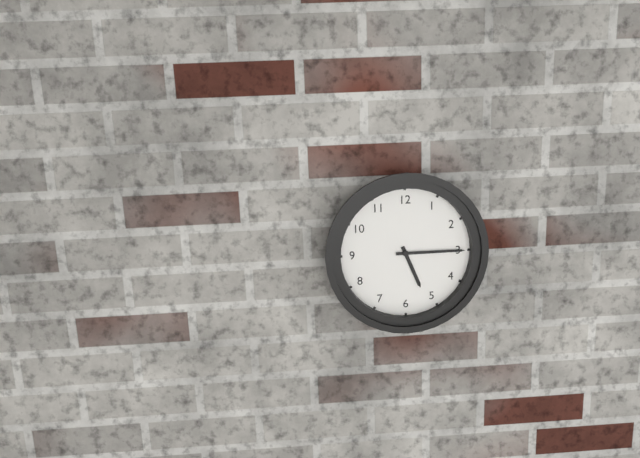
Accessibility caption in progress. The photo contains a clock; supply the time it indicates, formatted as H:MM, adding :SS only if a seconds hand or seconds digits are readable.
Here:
5:15
